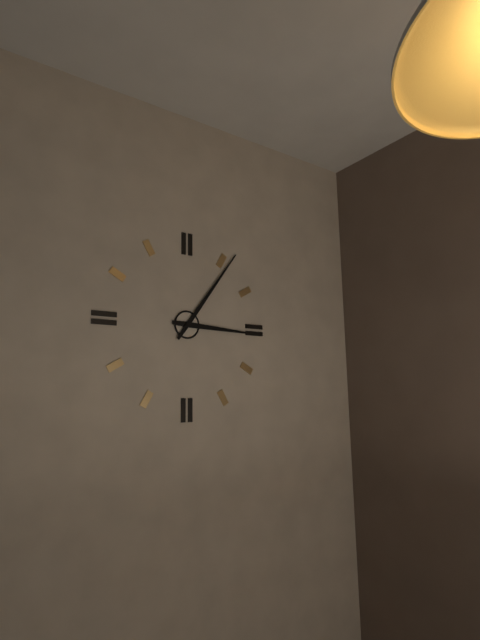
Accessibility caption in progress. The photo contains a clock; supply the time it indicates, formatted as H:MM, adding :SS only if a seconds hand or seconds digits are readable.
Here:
3:06
